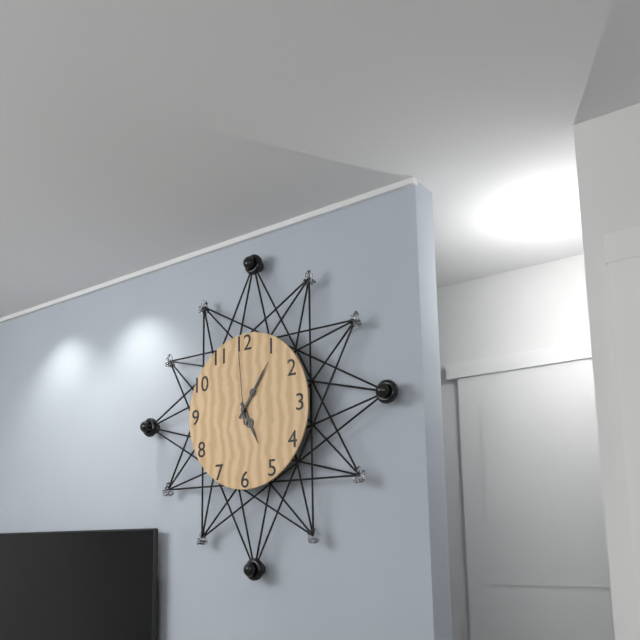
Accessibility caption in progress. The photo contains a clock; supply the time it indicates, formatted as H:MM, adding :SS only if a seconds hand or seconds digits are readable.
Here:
5:06:59
